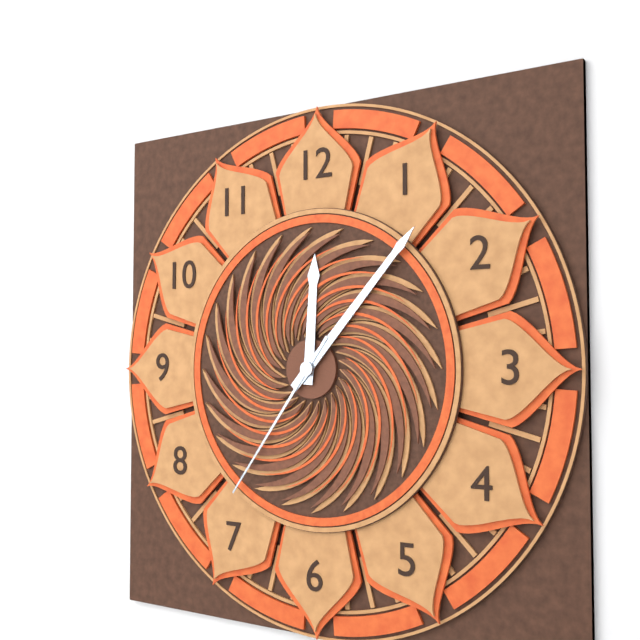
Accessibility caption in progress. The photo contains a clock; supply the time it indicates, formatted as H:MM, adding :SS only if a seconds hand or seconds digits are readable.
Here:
12:07:36
